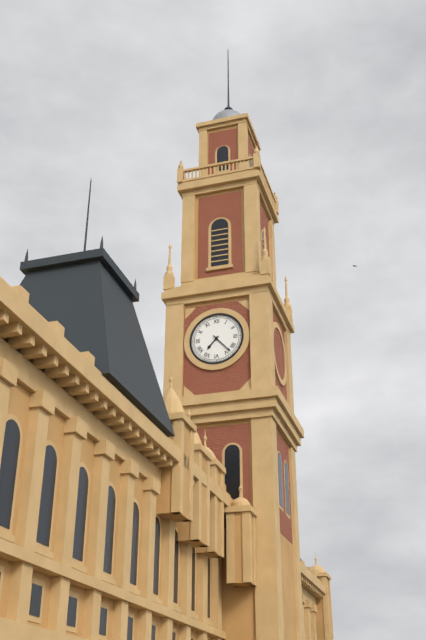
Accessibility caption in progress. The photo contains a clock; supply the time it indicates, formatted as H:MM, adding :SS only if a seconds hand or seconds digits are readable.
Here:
7:23
